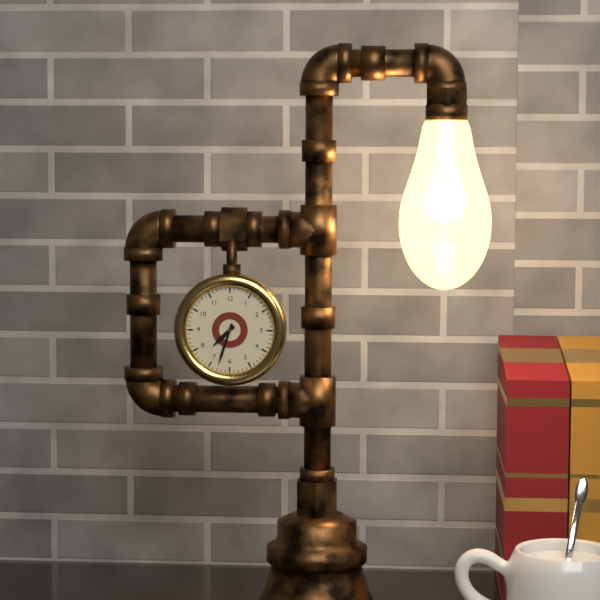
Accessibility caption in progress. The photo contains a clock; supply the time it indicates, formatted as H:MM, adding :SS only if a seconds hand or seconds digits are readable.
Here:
7:33
